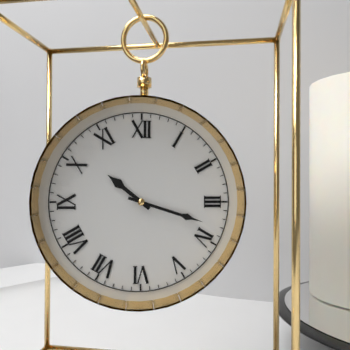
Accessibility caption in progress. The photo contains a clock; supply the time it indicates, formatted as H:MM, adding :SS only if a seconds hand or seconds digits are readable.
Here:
10:18
